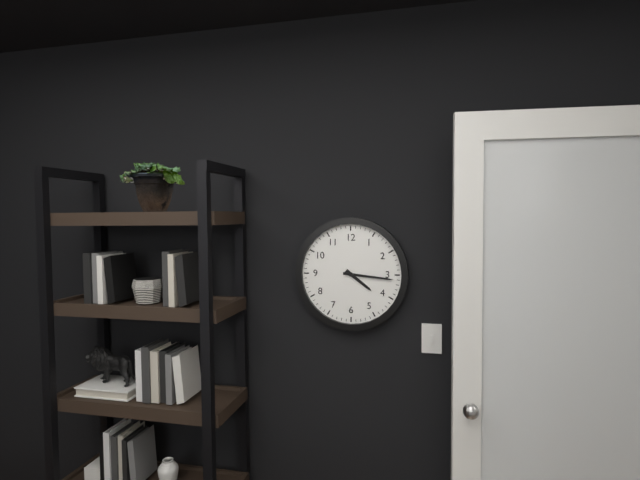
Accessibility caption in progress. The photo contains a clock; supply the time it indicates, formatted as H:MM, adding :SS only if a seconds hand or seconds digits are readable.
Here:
4:16
